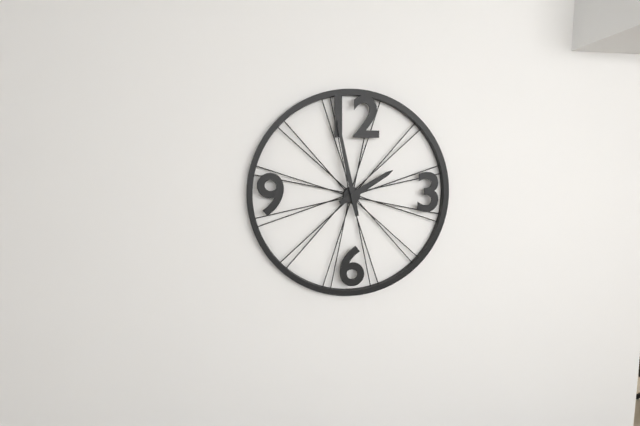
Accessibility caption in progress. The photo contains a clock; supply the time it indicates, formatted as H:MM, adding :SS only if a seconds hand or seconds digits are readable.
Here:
1:58
